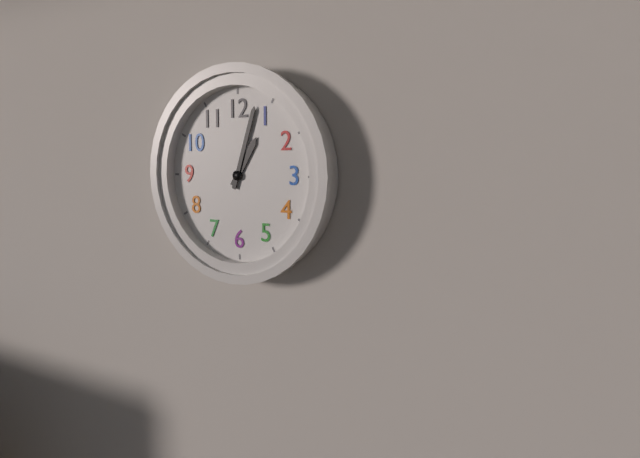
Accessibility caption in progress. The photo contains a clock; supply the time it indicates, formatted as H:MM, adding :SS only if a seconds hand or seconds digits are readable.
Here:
1:03
